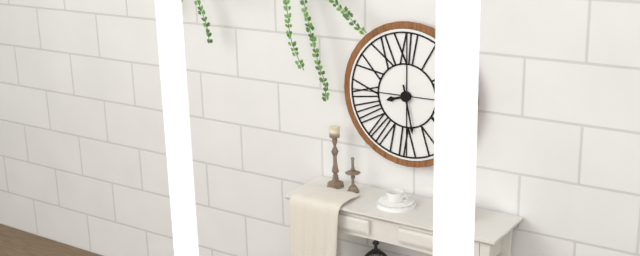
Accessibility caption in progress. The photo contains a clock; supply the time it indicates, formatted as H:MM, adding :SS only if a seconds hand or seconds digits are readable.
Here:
8:28
